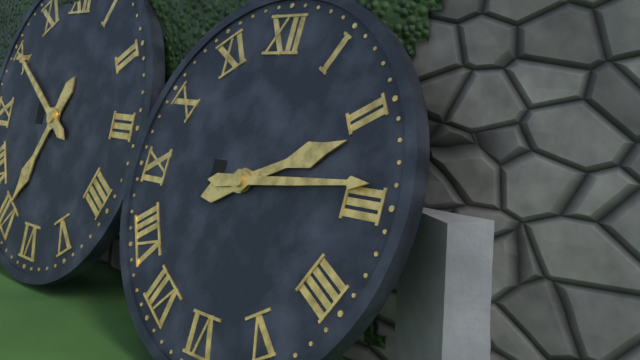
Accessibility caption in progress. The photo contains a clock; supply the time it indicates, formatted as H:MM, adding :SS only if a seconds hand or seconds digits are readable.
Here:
2:14
